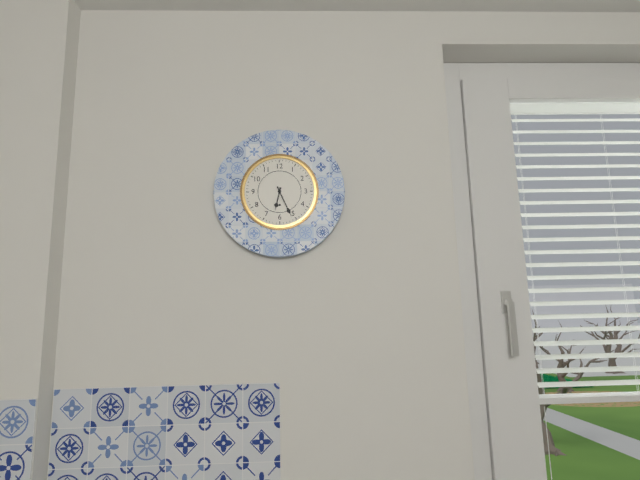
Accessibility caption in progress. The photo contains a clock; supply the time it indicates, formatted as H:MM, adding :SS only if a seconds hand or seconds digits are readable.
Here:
6:26
